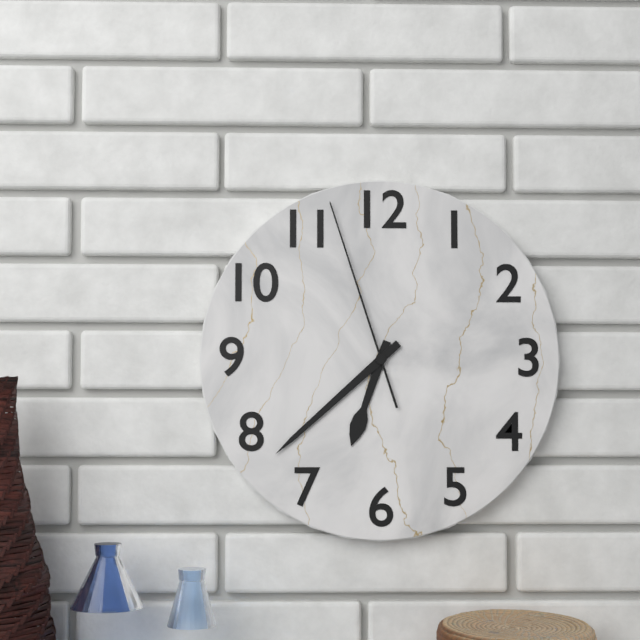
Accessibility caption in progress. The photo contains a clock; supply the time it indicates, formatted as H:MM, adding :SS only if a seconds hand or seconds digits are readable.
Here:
6:38:57
